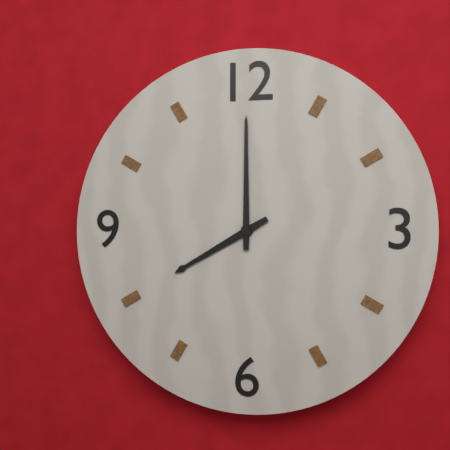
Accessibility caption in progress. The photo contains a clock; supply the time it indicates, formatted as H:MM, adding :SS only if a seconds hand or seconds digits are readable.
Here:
8:00
